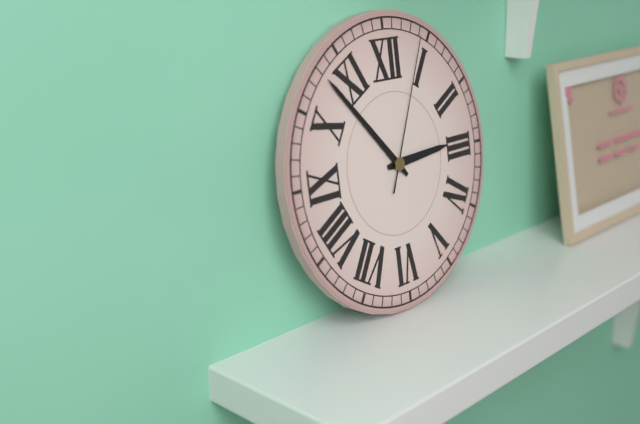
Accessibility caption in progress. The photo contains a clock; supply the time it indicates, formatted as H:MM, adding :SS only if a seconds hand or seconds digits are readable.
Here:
2:53:04
